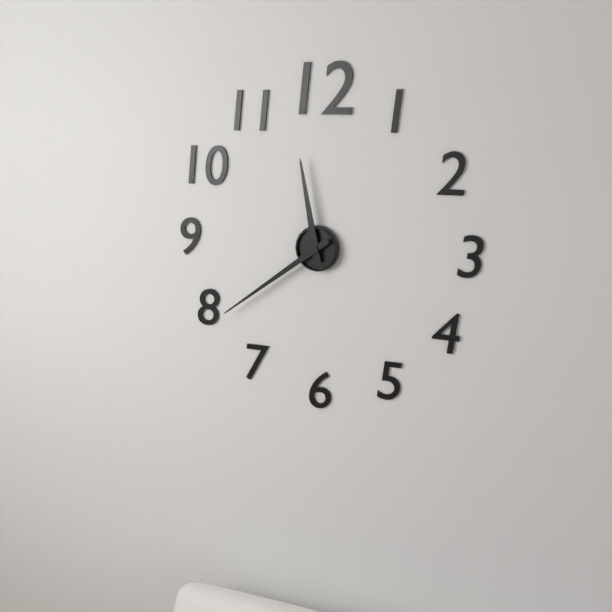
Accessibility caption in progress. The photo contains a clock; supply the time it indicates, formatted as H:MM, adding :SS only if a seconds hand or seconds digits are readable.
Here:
11:39
